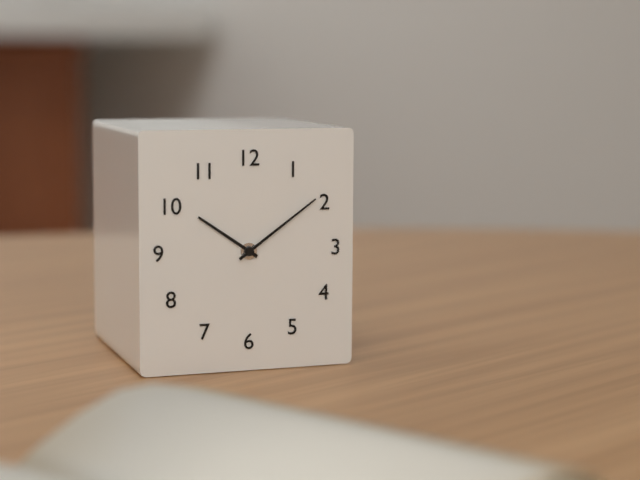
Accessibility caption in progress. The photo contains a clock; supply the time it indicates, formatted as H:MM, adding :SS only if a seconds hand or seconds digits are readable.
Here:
10:09
